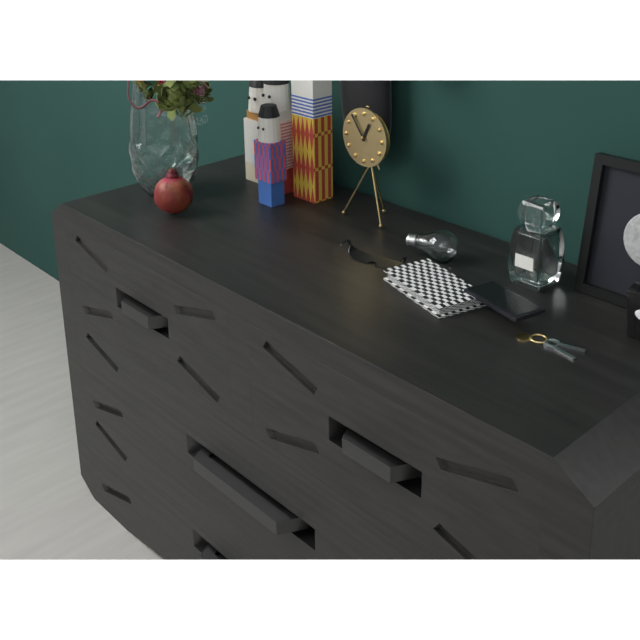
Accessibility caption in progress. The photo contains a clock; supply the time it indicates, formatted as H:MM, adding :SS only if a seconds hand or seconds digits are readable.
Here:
12:54
